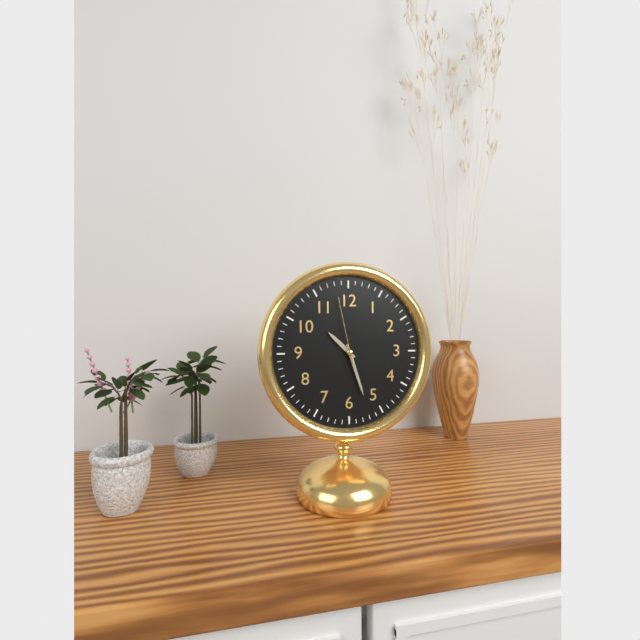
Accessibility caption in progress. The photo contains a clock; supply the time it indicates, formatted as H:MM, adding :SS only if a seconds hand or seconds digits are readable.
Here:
10:27:58
